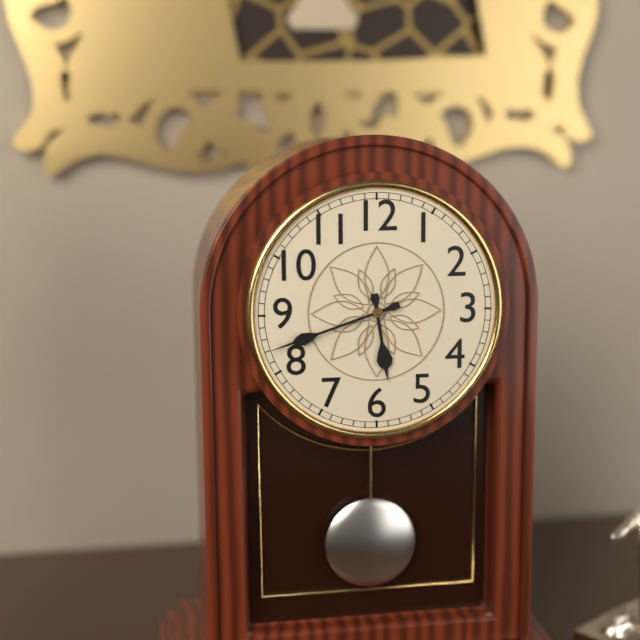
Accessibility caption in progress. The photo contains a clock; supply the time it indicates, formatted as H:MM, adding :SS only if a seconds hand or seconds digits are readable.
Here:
5:42
